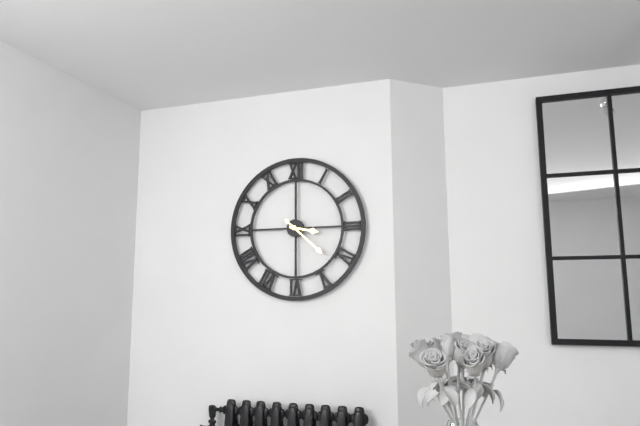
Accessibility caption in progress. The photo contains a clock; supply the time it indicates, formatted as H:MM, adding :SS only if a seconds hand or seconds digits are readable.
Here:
3:22
